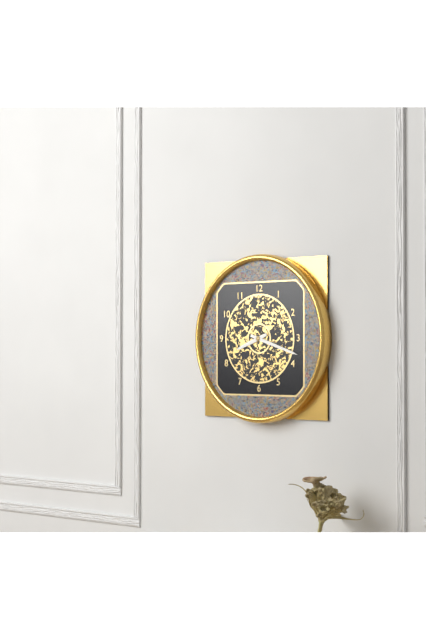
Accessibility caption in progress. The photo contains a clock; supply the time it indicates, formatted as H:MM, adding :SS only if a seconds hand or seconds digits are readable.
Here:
8:18
